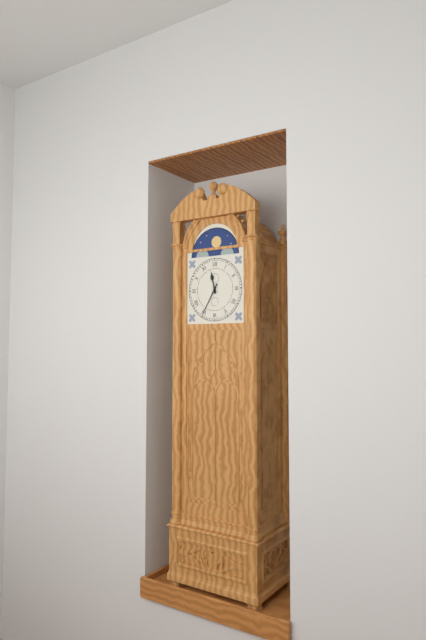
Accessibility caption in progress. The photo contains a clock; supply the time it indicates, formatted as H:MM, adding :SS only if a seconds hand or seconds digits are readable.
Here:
11:35
